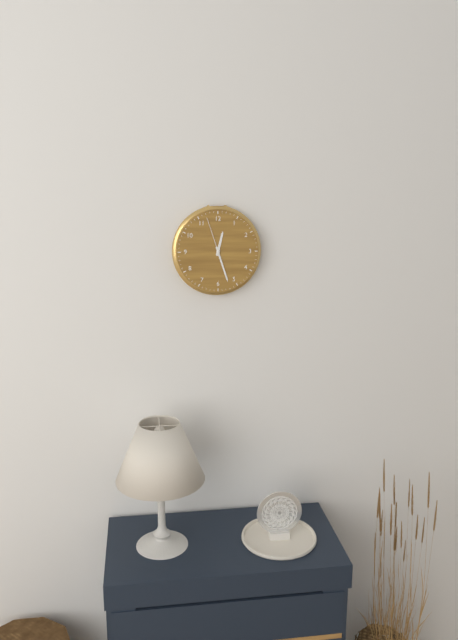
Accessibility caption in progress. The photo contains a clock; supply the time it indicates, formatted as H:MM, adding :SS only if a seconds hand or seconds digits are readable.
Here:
12:27
